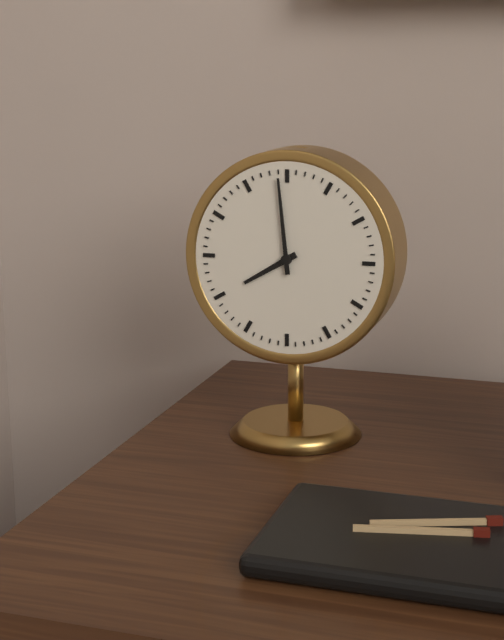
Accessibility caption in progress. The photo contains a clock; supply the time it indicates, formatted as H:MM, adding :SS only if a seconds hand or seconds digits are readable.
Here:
7:59
